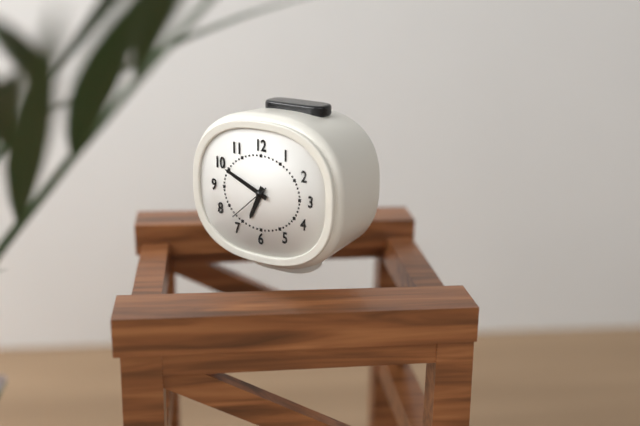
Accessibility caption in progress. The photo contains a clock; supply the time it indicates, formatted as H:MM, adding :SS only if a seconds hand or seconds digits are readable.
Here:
6:49
